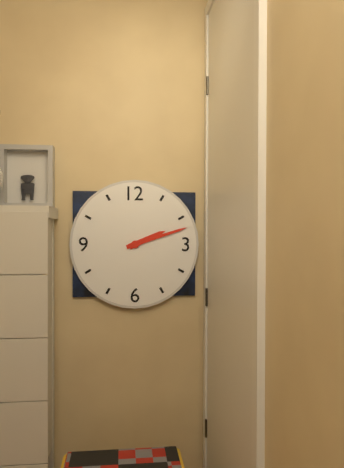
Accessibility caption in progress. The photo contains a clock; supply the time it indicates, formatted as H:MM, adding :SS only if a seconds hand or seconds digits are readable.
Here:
2:12
